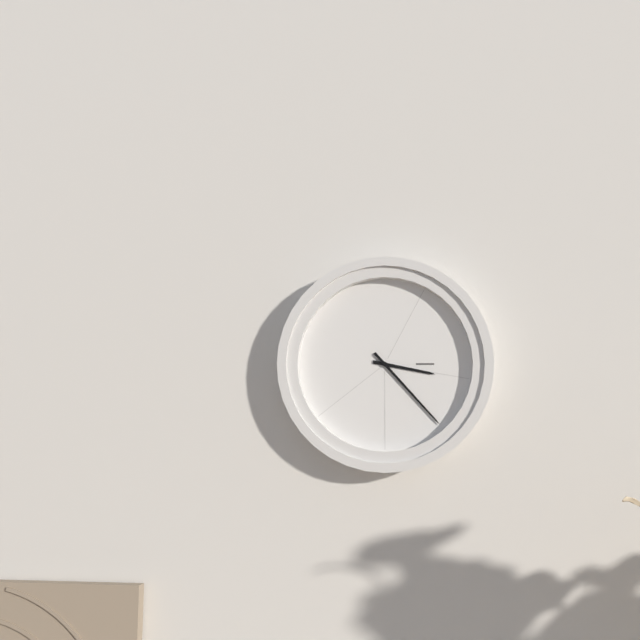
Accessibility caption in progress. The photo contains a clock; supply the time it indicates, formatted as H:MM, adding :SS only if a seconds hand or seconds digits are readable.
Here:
3:23
